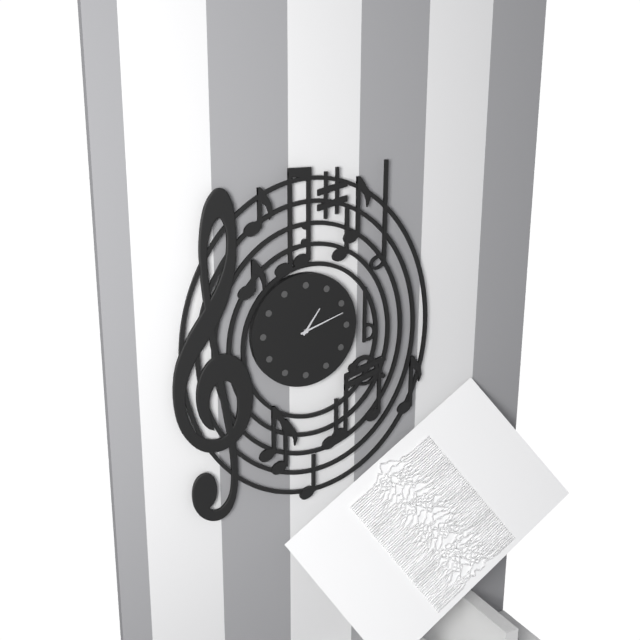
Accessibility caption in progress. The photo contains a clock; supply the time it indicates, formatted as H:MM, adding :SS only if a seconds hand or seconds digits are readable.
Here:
1:12
